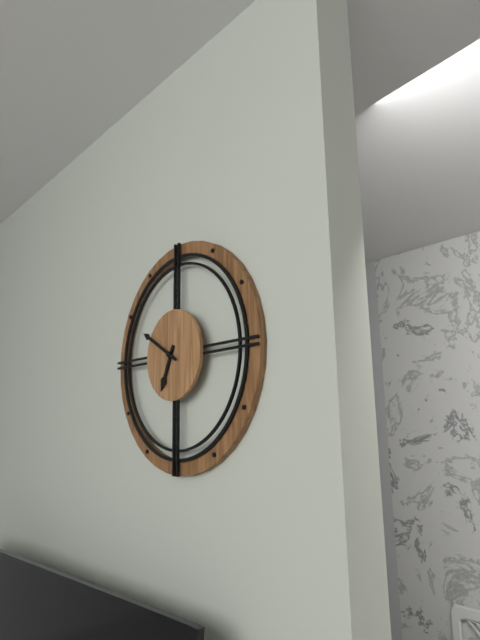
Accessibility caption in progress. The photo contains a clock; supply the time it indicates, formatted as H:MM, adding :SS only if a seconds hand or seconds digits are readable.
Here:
6:50
